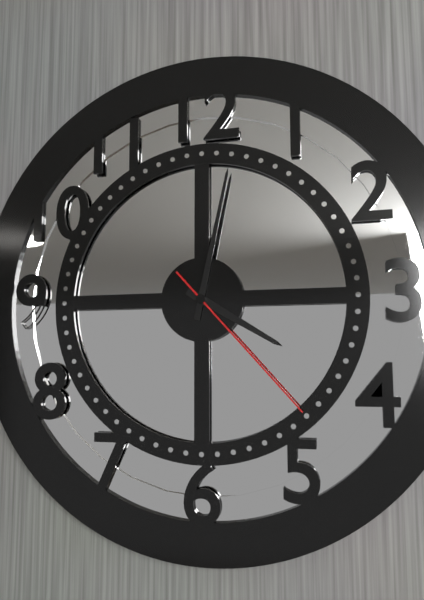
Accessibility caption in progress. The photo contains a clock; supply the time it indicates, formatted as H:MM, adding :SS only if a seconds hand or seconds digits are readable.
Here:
4:02:23
